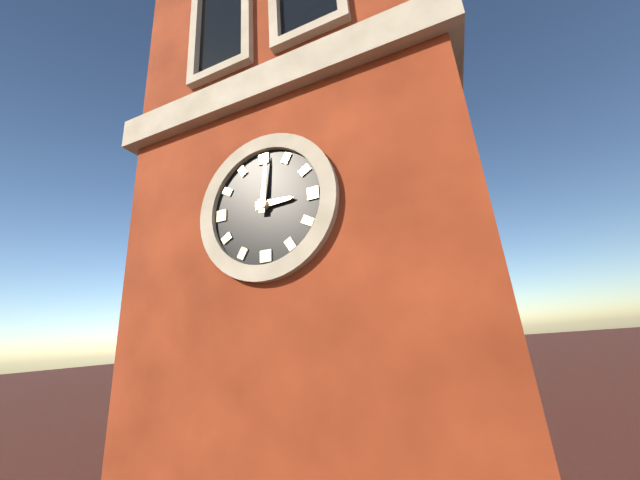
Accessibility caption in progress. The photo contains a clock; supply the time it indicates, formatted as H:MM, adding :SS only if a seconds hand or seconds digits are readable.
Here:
3:01
